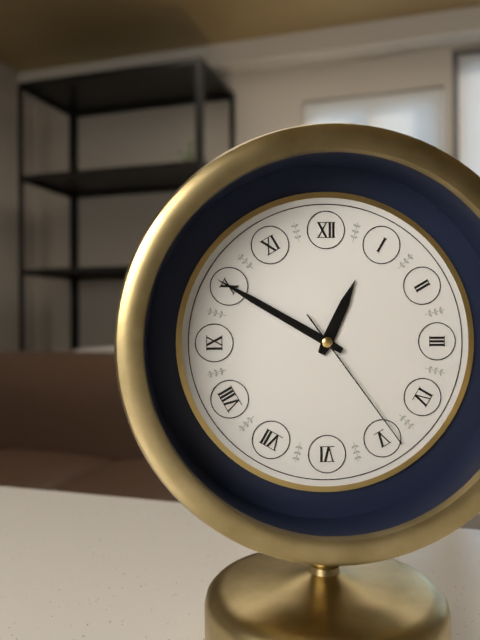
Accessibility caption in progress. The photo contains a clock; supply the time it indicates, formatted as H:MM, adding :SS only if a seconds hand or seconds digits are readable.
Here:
12:50:24
